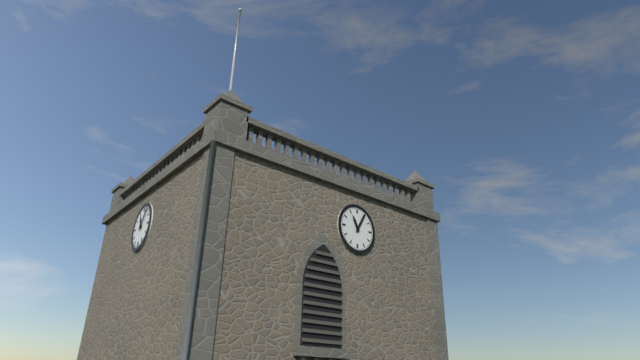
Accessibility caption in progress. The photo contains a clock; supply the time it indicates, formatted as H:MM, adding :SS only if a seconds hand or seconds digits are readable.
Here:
11:05
